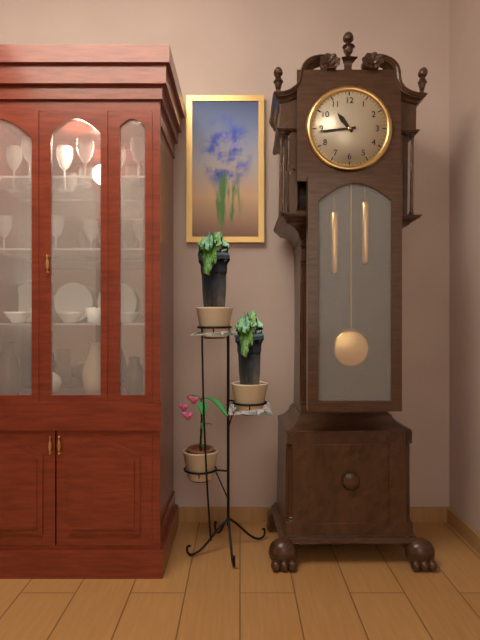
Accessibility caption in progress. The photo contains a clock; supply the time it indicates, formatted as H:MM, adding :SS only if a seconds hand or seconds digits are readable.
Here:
10:44
